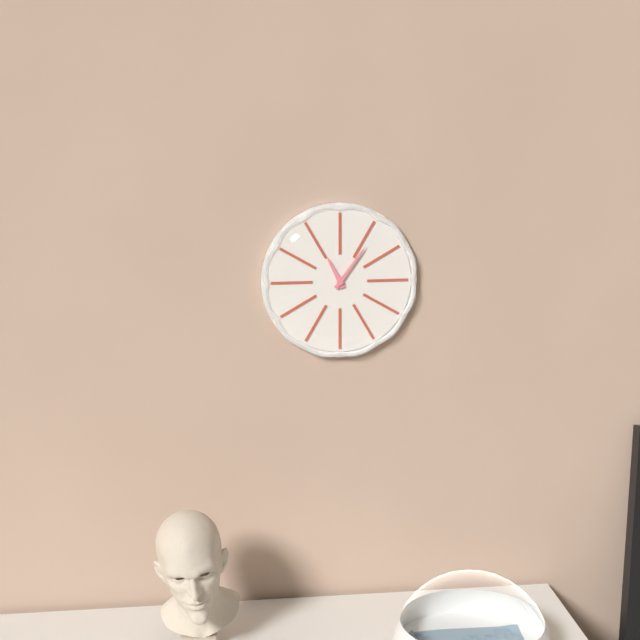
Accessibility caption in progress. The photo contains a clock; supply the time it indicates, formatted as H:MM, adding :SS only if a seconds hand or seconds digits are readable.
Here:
11:06
